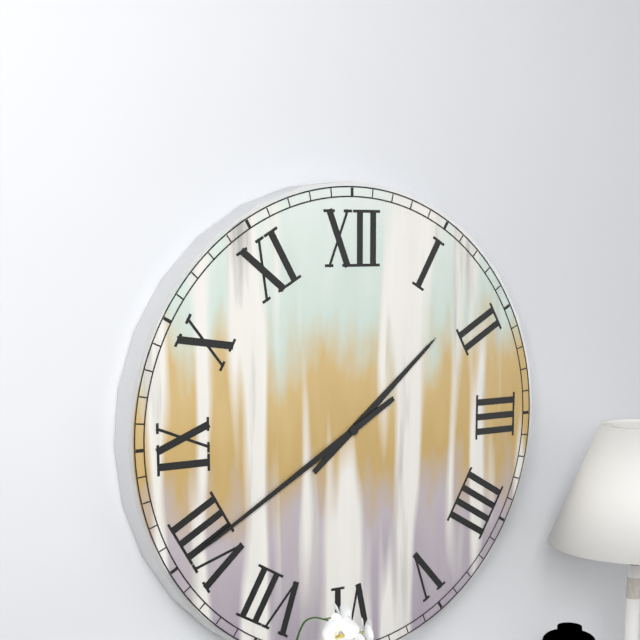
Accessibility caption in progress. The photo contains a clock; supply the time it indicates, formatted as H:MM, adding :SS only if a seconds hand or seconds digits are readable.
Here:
1:40
